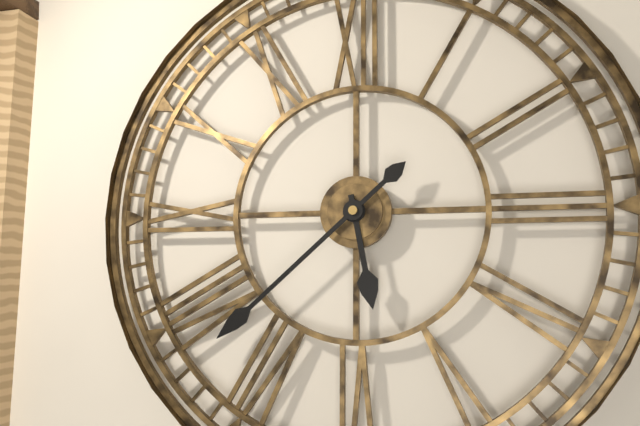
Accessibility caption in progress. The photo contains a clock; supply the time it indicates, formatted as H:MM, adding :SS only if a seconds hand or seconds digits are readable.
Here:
5:38
